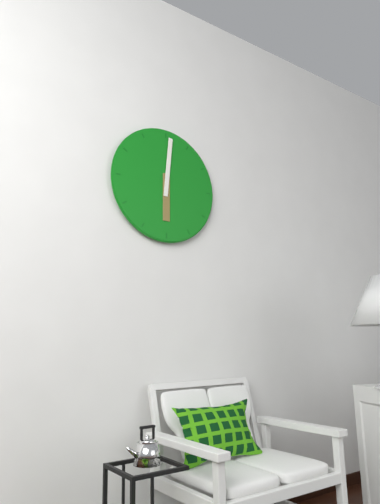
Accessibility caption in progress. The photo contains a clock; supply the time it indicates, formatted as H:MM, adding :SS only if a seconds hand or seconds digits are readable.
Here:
6:01
